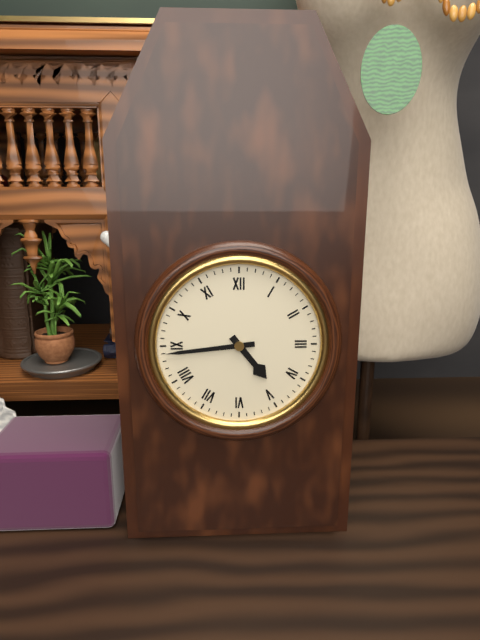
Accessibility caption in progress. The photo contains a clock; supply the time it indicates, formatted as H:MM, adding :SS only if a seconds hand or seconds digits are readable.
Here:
4:44
